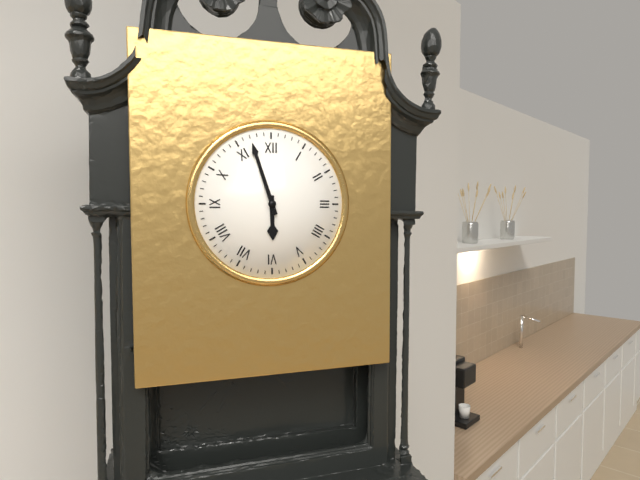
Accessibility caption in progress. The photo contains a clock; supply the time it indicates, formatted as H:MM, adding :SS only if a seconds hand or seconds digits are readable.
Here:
5:57
